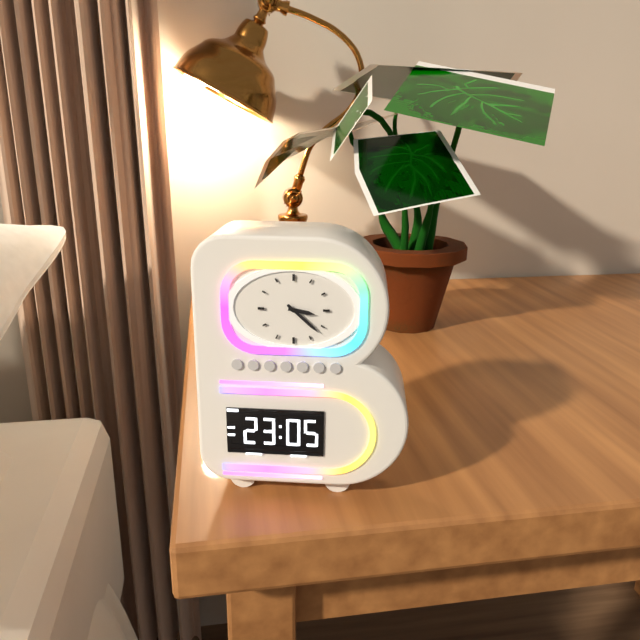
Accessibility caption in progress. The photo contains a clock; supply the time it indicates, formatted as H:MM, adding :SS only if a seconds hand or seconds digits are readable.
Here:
3:22
